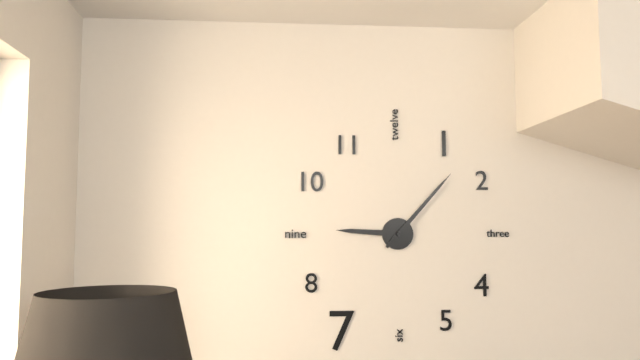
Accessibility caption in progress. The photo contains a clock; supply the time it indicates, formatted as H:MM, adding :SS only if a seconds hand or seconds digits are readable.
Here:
9:07
